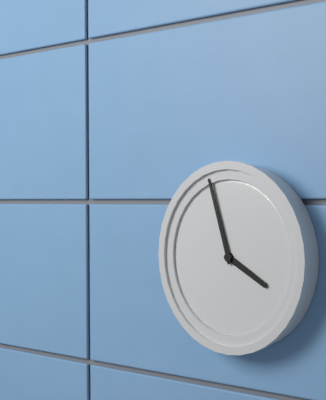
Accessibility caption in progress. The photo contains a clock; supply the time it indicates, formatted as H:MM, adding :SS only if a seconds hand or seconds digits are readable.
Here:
3:57
